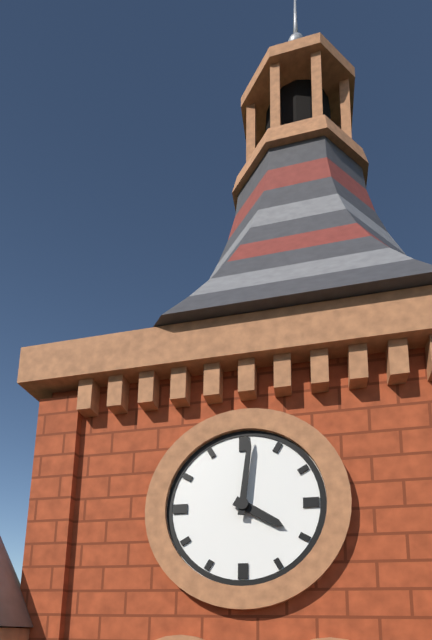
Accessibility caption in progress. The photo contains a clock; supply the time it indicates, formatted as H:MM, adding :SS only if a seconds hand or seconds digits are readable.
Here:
4:01
